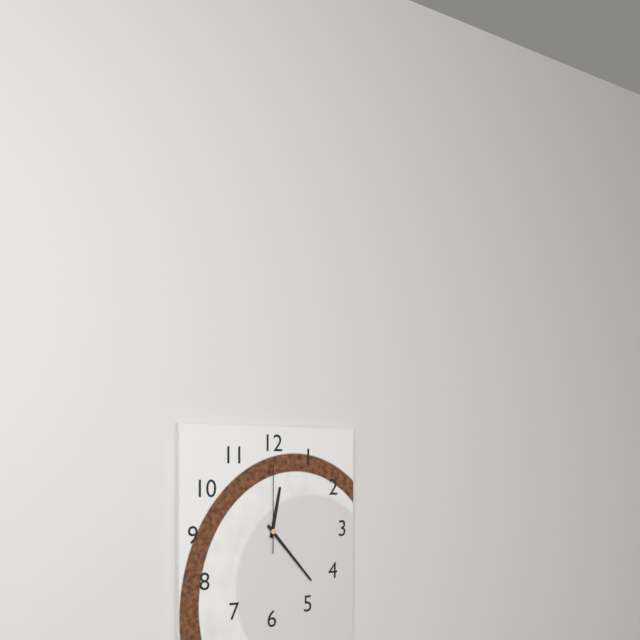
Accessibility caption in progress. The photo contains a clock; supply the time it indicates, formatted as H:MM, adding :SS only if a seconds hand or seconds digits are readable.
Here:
12:23:00
